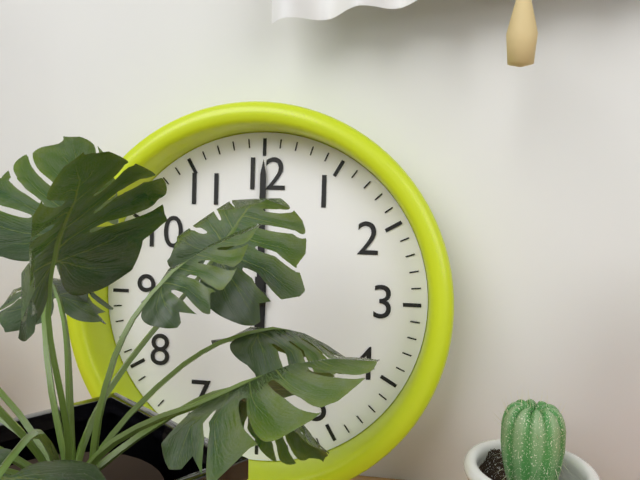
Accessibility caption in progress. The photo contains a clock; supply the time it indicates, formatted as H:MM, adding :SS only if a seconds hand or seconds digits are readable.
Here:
6:00
